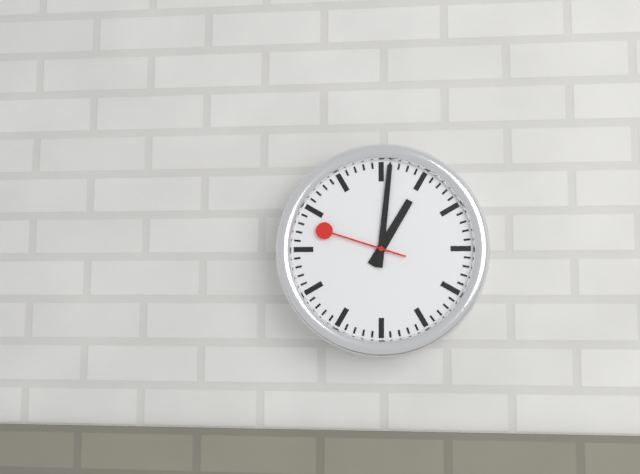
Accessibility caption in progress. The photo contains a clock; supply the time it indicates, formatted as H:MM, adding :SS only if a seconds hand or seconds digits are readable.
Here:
1:01:48
